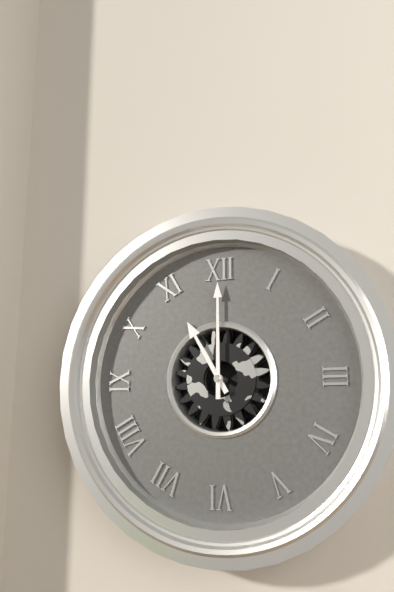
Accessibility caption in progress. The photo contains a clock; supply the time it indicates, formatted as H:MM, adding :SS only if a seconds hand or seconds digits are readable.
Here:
11:00
